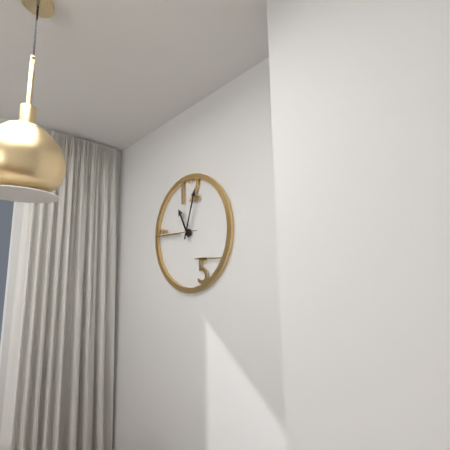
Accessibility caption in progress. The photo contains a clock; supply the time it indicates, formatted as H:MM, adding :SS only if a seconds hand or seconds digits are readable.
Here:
11:03
